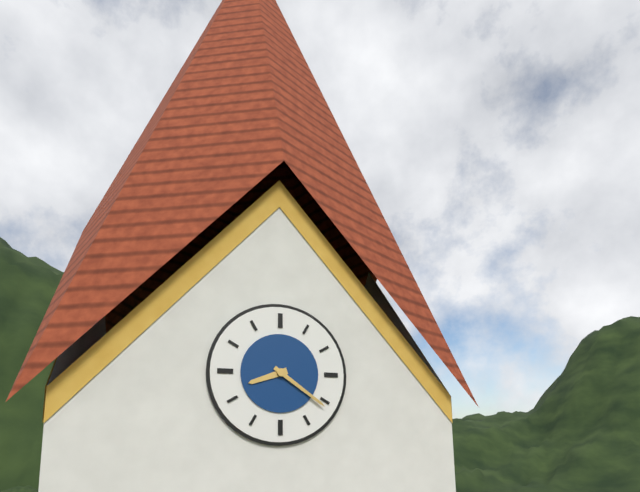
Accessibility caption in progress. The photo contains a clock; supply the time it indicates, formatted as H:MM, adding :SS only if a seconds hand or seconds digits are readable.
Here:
8:21
